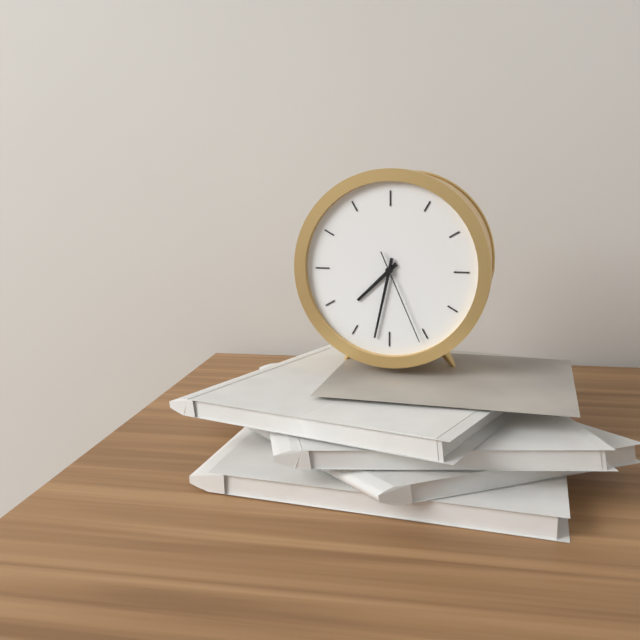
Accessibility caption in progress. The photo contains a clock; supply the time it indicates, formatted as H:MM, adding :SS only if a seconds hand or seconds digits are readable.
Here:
7:32:26
